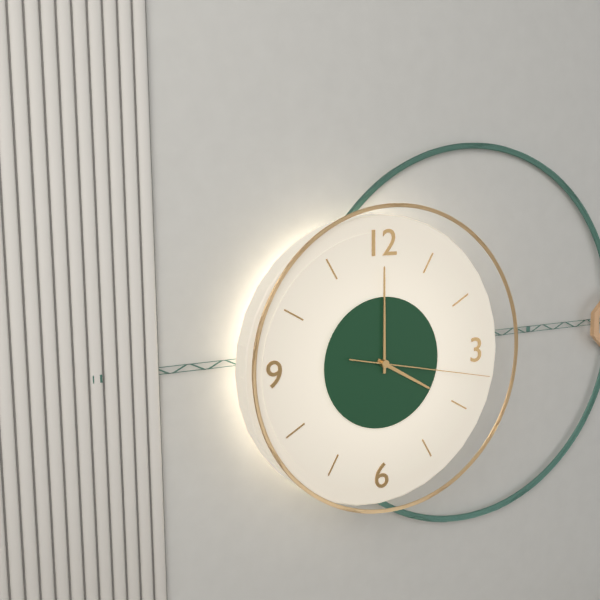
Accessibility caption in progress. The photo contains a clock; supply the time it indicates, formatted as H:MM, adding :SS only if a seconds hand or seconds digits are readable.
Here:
4:00:17
